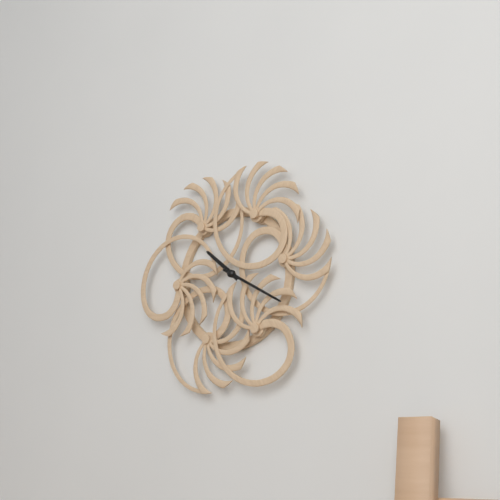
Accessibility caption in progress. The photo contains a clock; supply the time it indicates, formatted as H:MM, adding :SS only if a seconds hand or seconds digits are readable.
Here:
10:20
